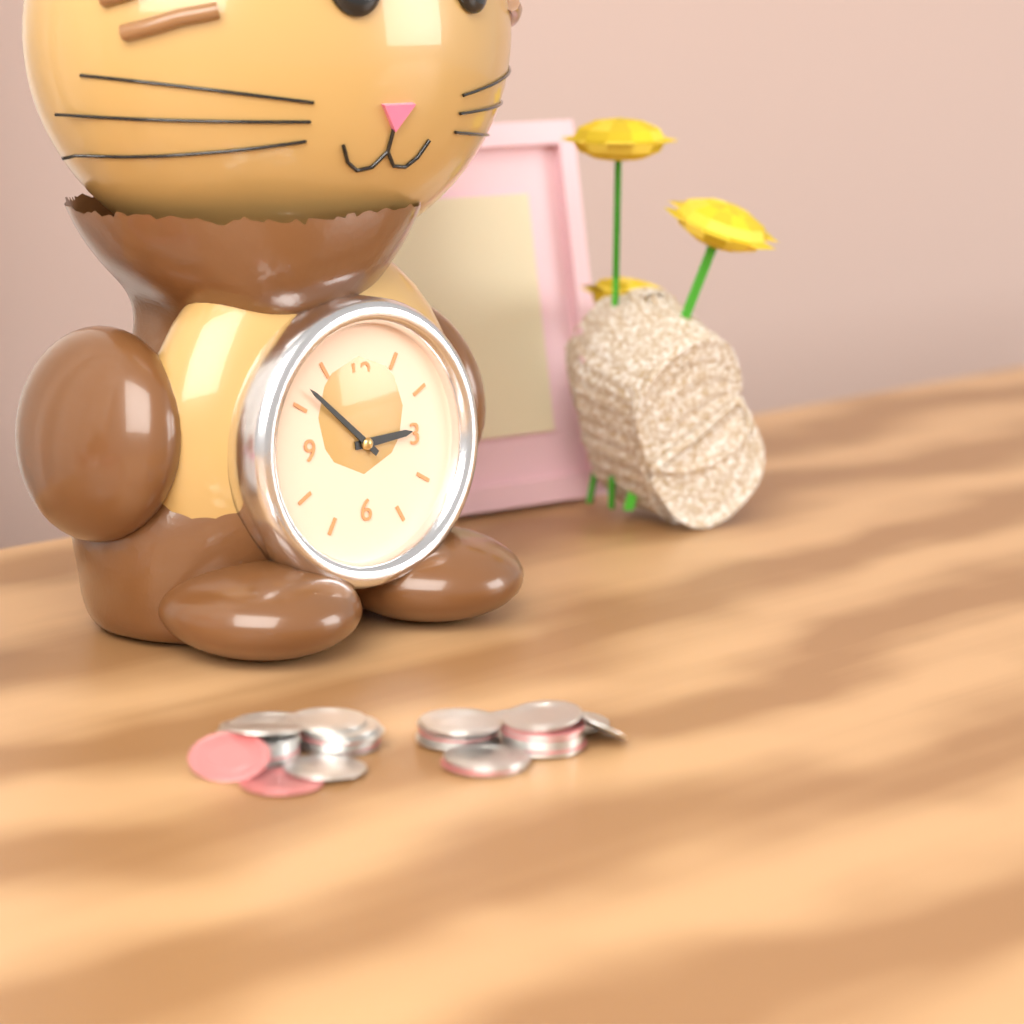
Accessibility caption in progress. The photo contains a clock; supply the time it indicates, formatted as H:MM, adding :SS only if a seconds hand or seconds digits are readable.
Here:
2:52
